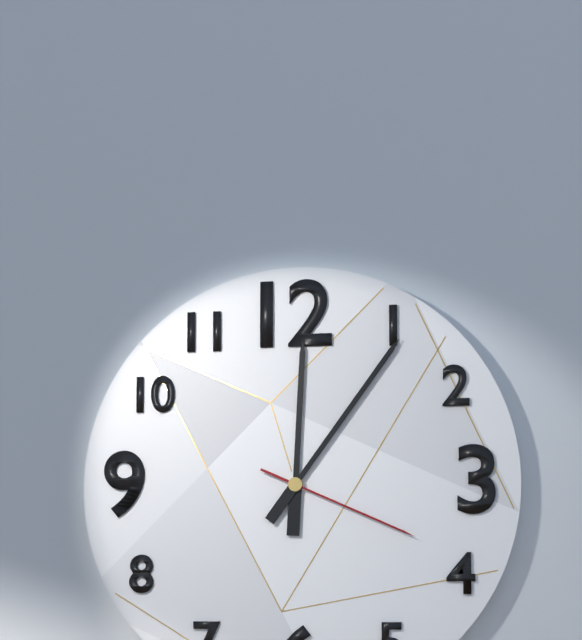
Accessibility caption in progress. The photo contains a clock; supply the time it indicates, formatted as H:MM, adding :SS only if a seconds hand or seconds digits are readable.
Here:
12:06:19
